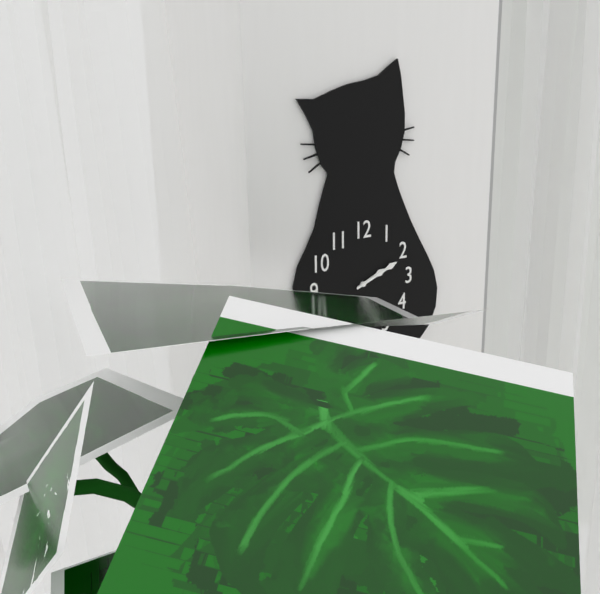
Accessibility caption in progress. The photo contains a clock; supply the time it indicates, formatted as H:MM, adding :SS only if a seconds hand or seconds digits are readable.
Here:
2:11
